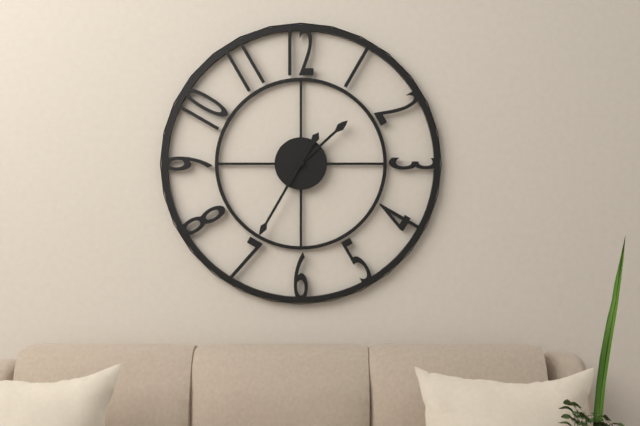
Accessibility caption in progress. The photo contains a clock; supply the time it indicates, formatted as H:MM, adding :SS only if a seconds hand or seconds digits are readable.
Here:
1:35
